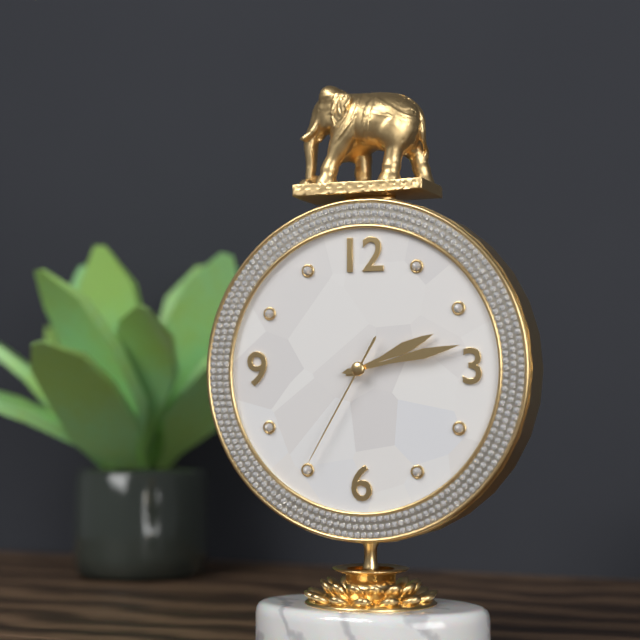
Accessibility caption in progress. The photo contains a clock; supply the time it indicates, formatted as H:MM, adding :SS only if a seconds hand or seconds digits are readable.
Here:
2:13:35
